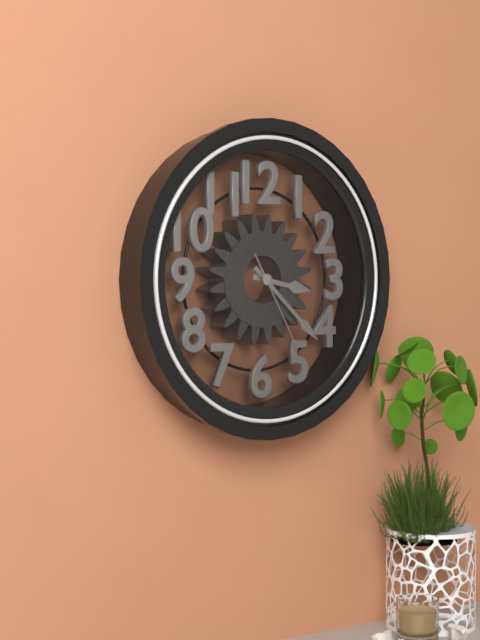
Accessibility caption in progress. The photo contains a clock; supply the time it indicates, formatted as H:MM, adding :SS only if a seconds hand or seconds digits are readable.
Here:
3:22:25
